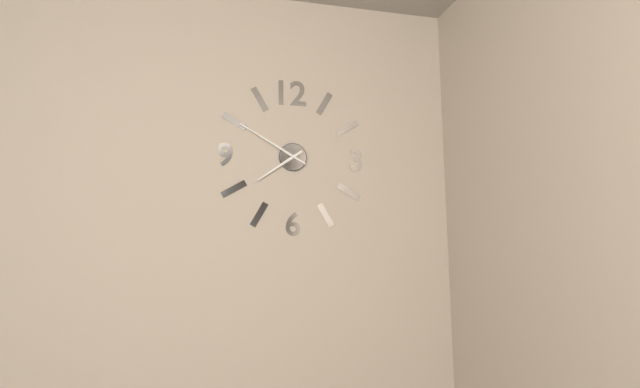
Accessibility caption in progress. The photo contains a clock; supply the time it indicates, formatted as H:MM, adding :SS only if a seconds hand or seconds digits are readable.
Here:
7:50
